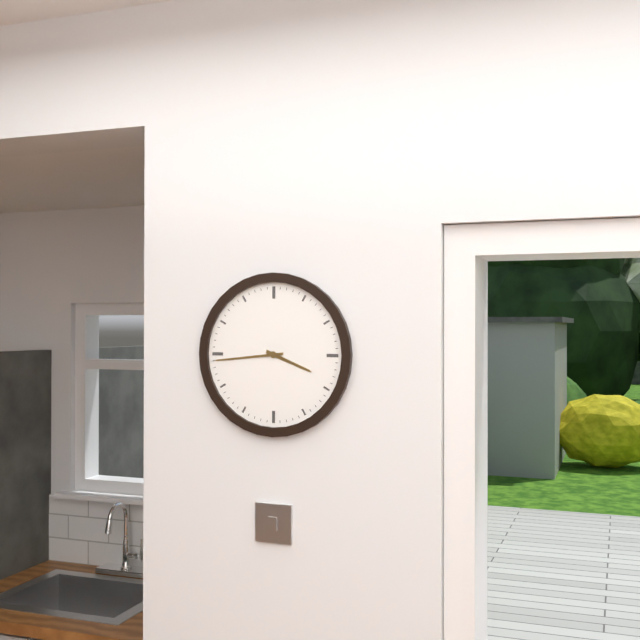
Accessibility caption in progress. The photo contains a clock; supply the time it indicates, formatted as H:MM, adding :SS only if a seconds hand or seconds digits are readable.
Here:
3:44
